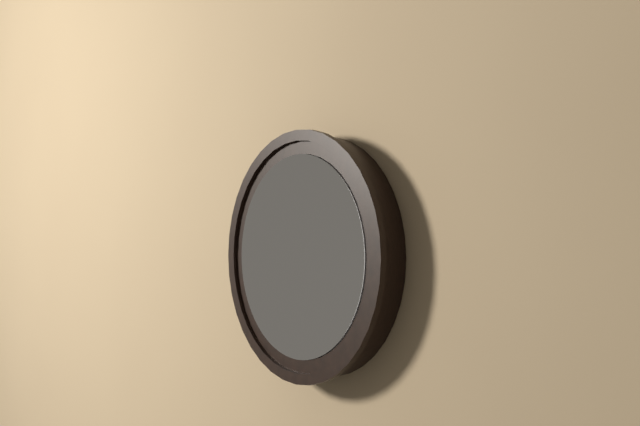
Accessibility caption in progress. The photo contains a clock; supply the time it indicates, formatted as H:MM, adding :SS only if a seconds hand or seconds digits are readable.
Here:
2:10
